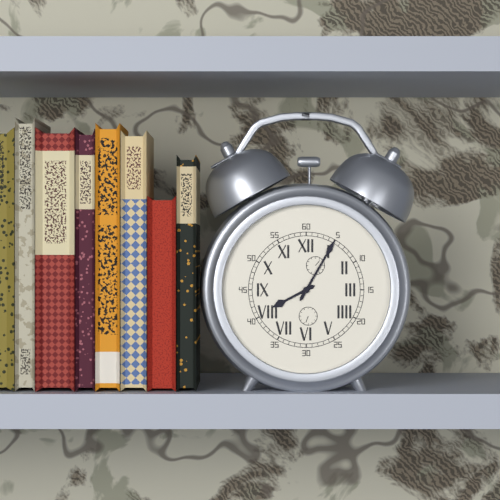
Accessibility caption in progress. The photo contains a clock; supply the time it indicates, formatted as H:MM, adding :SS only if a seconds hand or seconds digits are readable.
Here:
8:05
